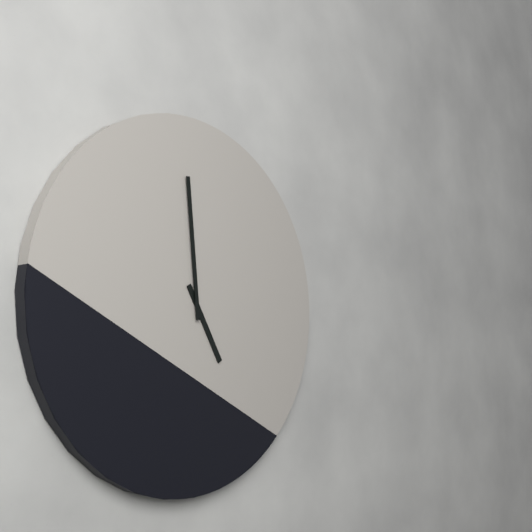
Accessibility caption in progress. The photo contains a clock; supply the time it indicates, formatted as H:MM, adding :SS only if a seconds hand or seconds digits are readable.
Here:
4:59
